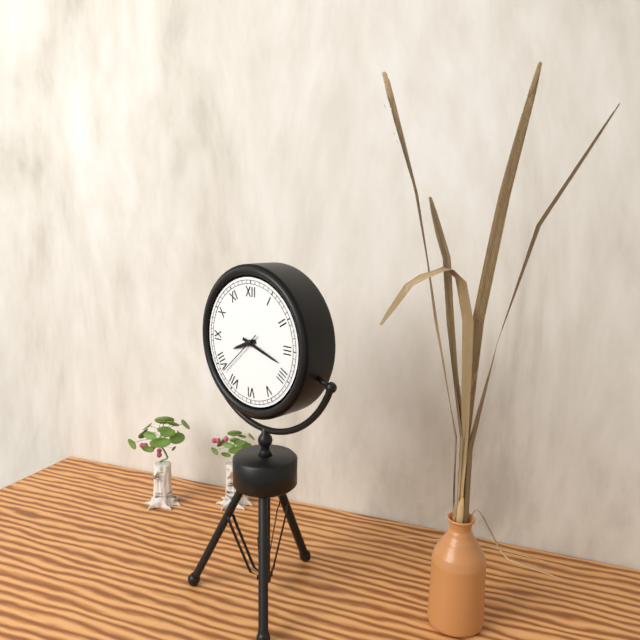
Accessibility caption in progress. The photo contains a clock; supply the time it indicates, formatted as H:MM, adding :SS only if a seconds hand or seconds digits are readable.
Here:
8:18:38
